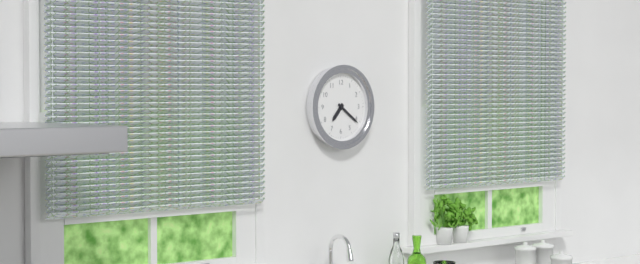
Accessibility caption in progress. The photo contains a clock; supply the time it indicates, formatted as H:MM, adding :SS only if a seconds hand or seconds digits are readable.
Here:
7:21
